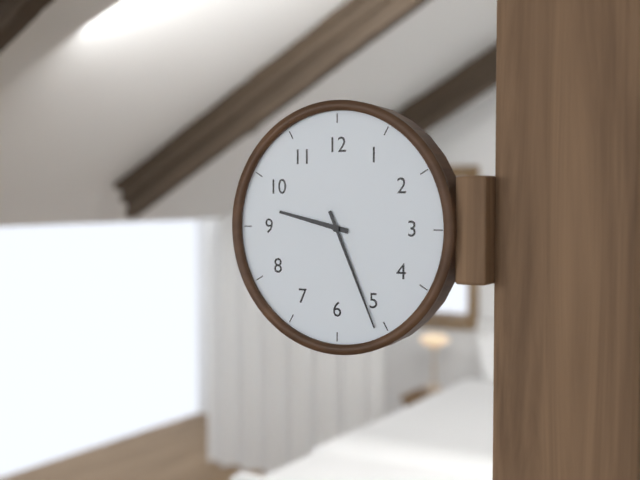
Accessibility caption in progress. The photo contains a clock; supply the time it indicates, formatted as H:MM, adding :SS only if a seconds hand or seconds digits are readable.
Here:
9:26
